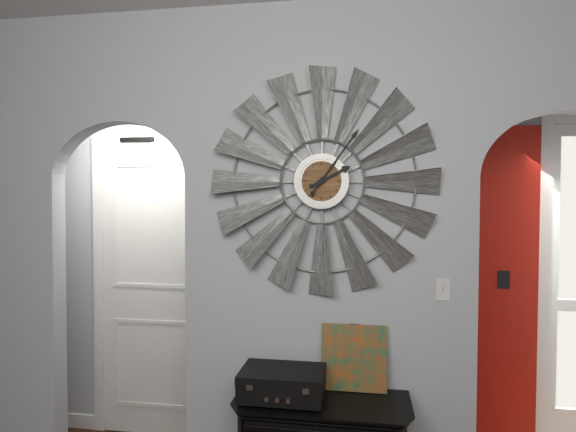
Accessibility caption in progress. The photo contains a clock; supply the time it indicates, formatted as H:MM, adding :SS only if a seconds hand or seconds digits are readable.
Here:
2:06
